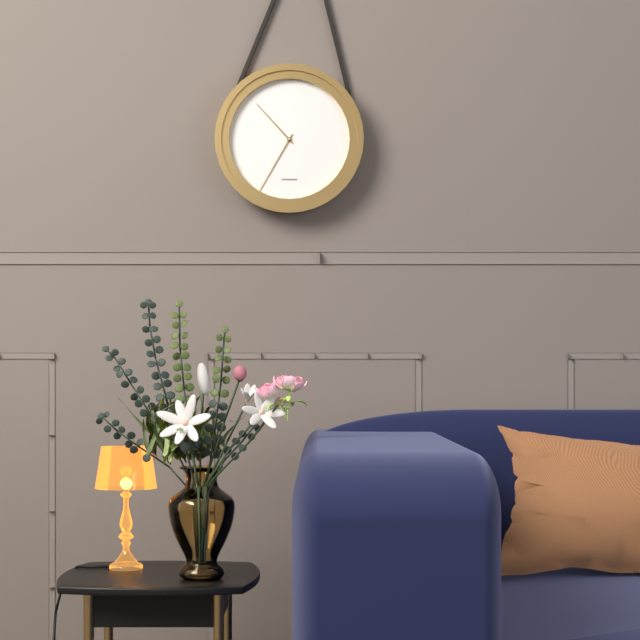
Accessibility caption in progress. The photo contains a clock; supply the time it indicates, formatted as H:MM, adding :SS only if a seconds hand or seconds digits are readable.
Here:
10:35
